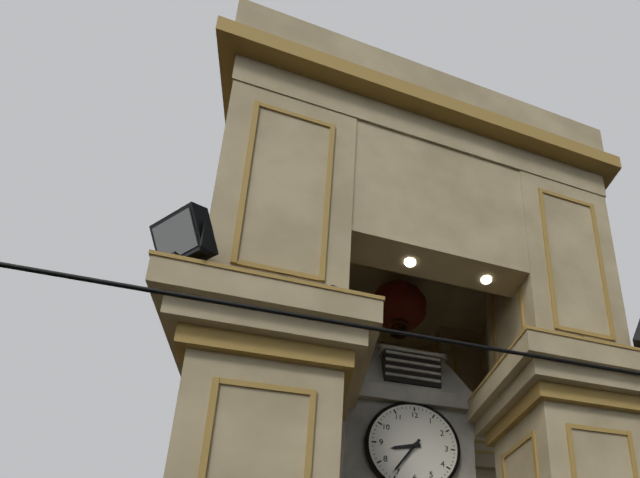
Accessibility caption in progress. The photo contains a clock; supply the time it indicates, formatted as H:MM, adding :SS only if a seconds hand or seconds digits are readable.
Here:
8:36
